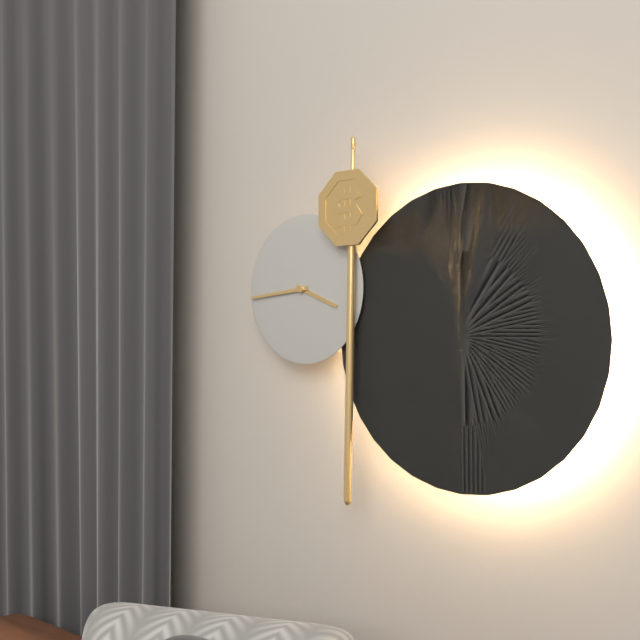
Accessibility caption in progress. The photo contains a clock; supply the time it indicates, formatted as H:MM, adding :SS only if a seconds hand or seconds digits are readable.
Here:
3:44
